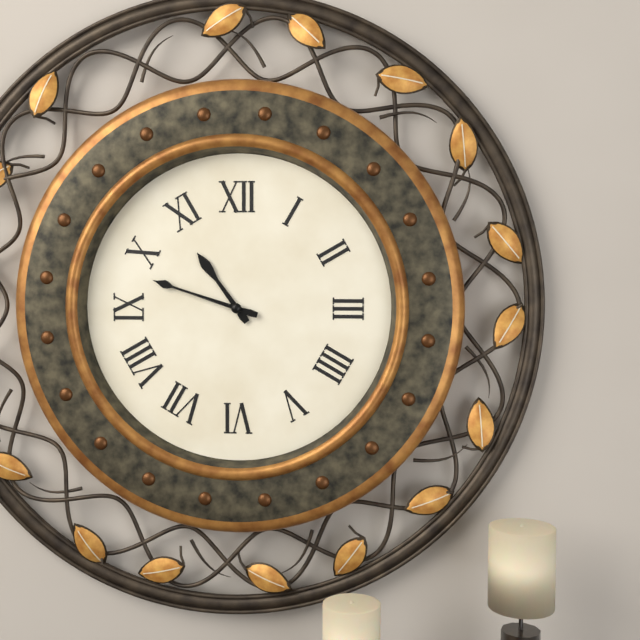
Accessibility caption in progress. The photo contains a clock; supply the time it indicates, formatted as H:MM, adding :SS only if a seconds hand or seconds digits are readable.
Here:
10:48
